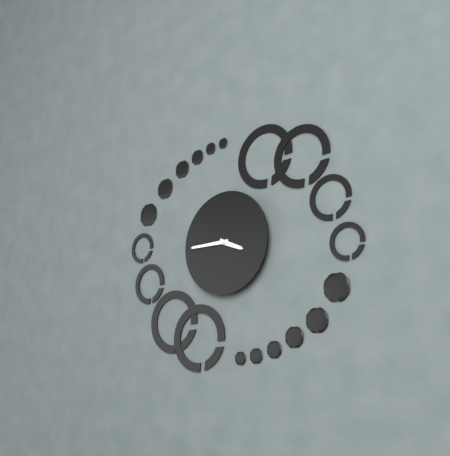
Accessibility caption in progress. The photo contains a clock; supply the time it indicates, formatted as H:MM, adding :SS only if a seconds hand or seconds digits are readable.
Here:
3:45
